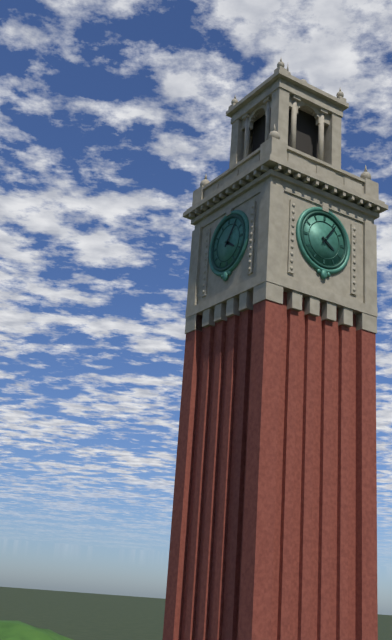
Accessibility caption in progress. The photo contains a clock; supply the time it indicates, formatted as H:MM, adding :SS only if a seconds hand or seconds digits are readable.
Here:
4:06
